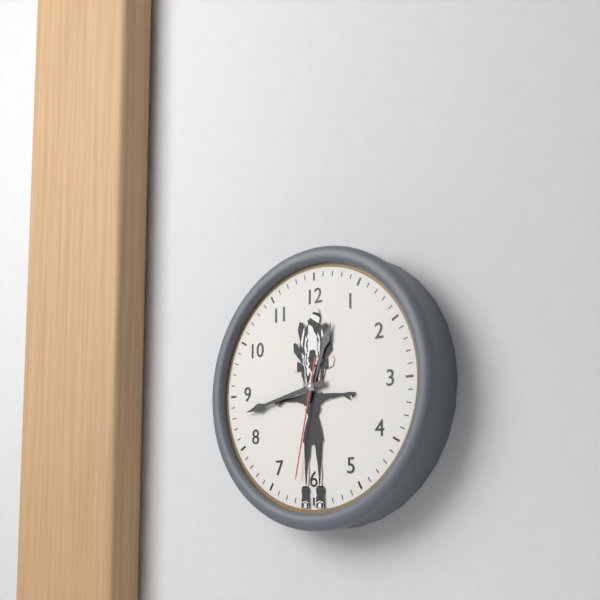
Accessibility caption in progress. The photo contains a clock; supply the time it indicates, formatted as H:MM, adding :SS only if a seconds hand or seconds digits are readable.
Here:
12:43:32
